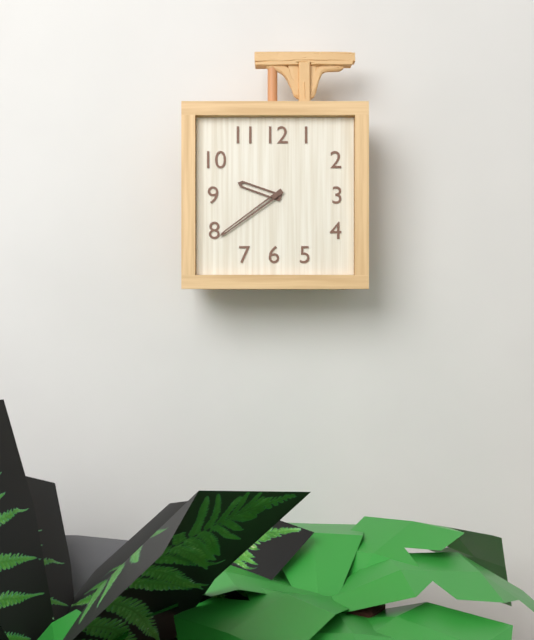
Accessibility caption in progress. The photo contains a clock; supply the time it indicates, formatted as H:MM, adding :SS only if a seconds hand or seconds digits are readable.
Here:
9:39
